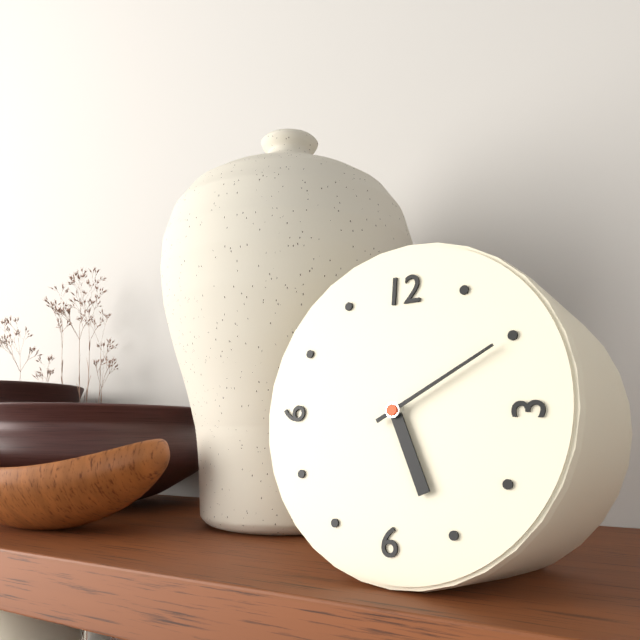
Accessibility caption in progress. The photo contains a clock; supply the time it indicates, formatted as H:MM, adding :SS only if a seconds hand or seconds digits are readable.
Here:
5:10
